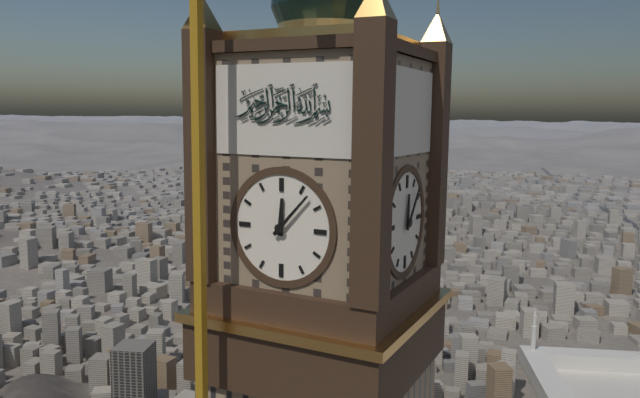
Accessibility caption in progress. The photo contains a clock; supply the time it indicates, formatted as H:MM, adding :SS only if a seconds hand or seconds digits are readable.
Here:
12:07
